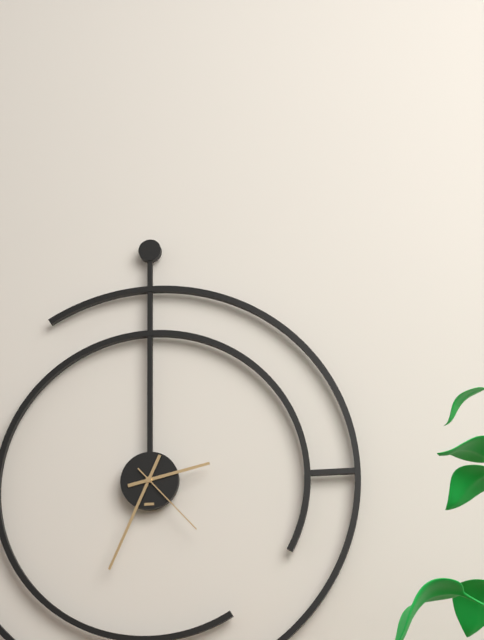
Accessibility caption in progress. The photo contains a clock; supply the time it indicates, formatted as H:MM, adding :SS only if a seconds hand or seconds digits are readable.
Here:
2:34:23
